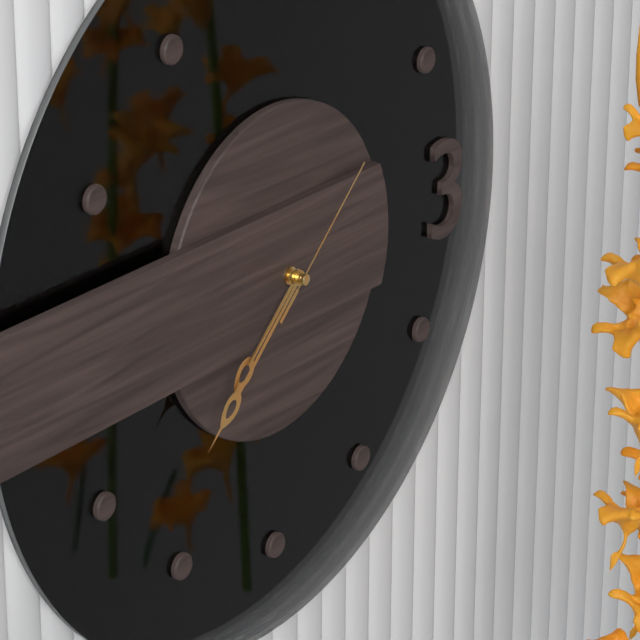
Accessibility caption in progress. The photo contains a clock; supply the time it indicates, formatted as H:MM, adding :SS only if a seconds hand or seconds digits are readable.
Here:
7:38:08
